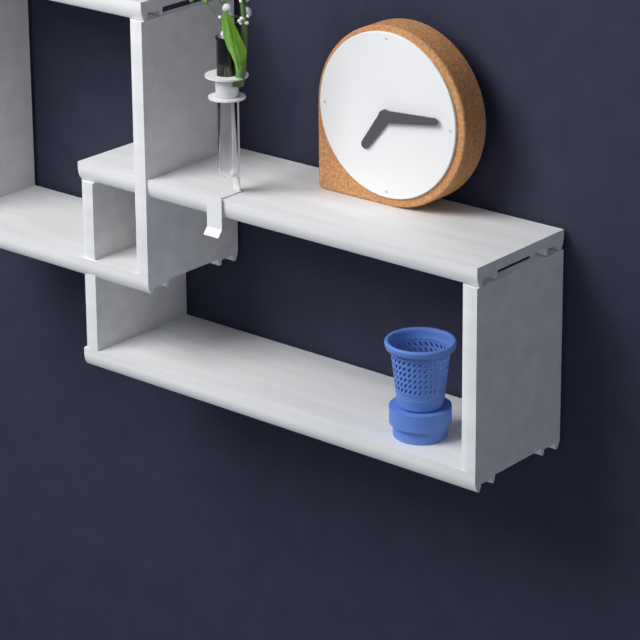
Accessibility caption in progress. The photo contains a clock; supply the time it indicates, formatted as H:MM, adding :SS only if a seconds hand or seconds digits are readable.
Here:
7:14
